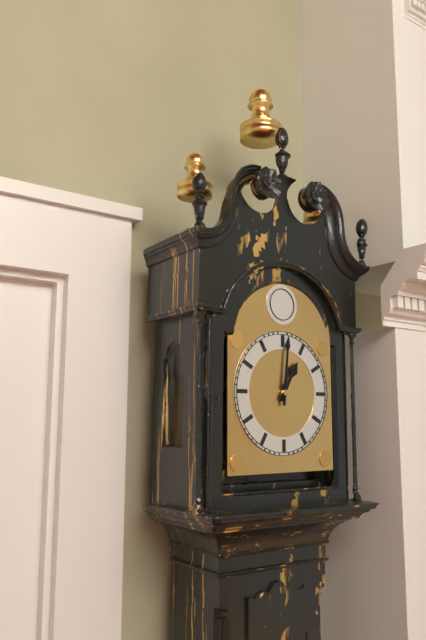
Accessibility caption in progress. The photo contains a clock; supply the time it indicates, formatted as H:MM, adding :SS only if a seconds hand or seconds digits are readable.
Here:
1:01
